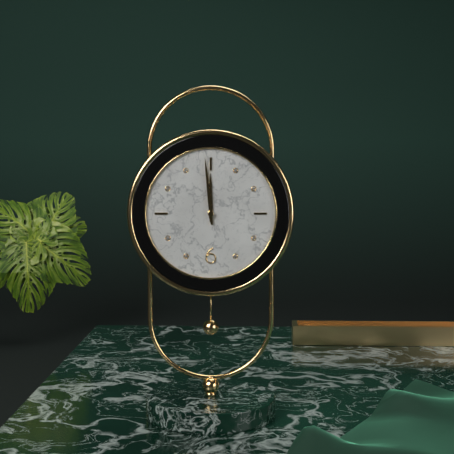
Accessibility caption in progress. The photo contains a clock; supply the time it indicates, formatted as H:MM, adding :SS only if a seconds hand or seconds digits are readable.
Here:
11:59
